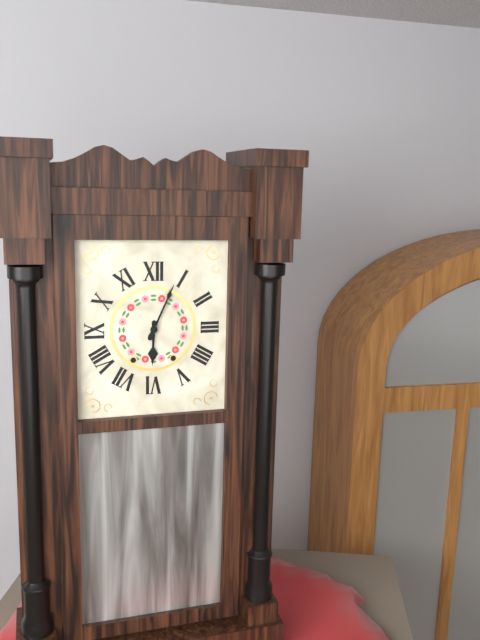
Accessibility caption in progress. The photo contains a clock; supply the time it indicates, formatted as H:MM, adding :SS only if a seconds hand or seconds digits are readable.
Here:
6:04
